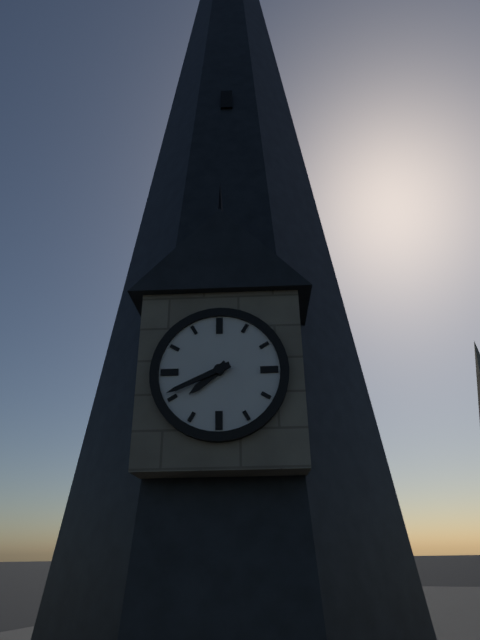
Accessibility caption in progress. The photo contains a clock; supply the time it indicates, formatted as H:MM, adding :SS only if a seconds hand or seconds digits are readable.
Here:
7:41
